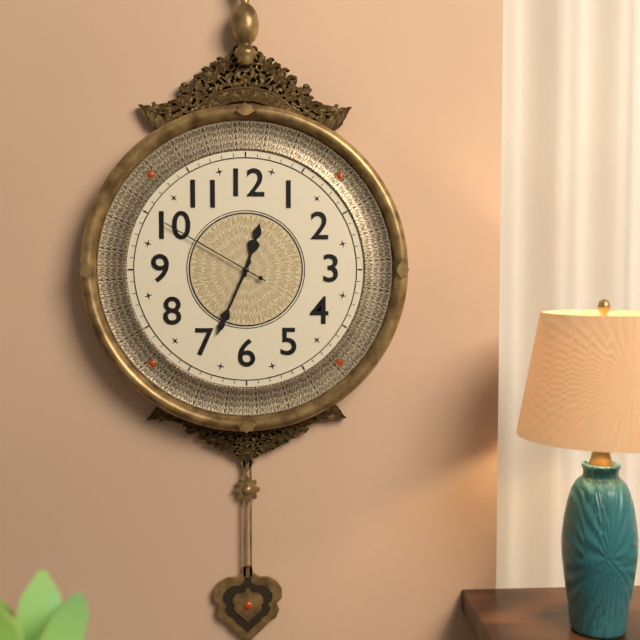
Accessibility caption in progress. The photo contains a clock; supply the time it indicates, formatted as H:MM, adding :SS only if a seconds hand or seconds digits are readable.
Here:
12:34:50
